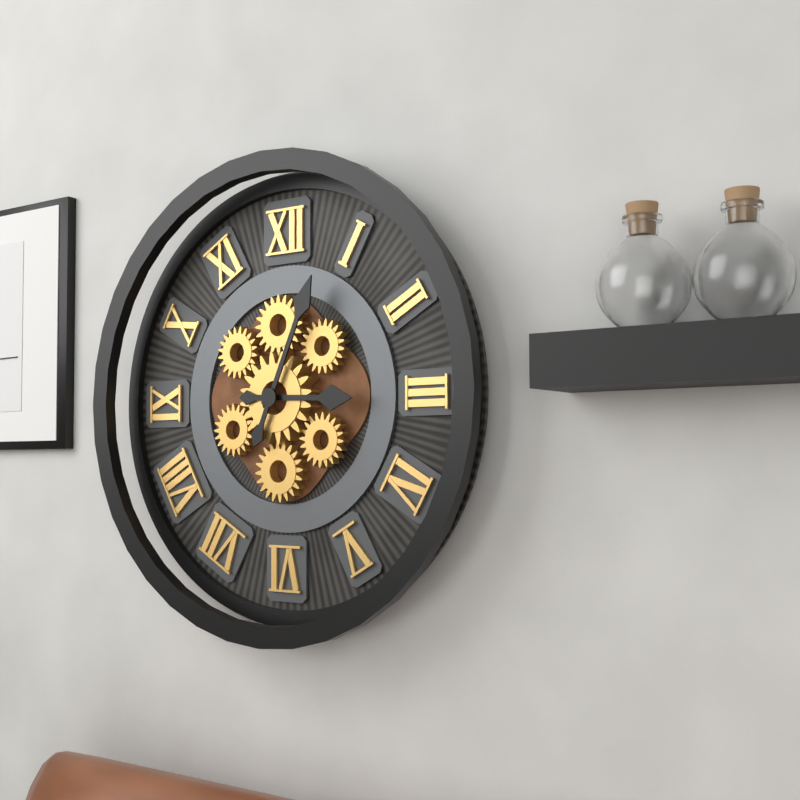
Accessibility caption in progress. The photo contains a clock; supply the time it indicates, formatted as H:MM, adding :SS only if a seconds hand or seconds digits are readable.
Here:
3:04
